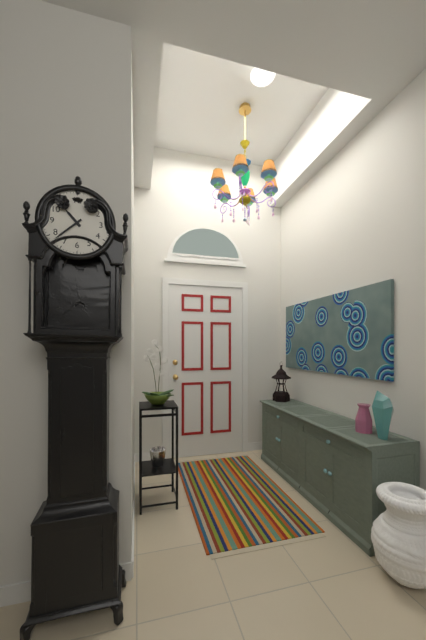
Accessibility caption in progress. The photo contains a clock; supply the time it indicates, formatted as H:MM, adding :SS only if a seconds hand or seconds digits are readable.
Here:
10:38
